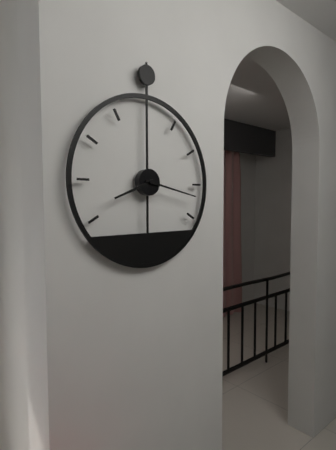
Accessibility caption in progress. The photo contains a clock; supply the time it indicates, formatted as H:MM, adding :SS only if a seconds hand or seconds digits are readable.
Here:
8:17
